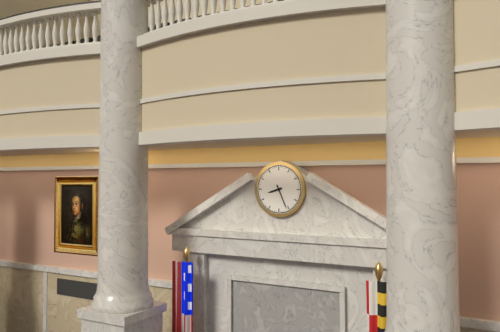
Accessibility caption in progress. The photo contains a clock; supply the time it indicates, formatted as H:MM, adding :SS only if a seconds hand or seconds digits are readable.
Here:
8:26
